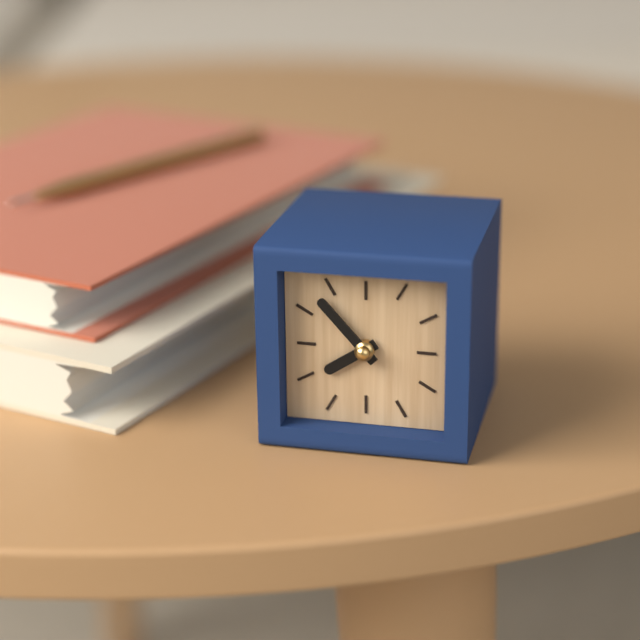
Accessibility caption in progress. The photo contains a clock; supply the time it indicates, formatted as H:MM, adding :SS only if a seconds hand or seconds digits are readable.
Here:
7:53
